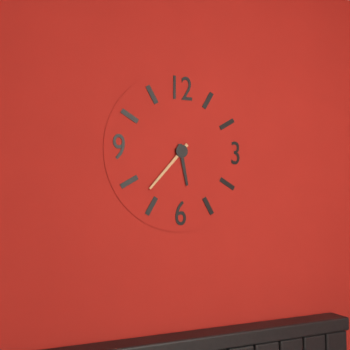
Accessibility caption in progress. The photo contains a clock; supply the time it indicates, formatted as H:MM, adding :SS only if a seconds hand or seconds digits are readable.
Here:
5:37
